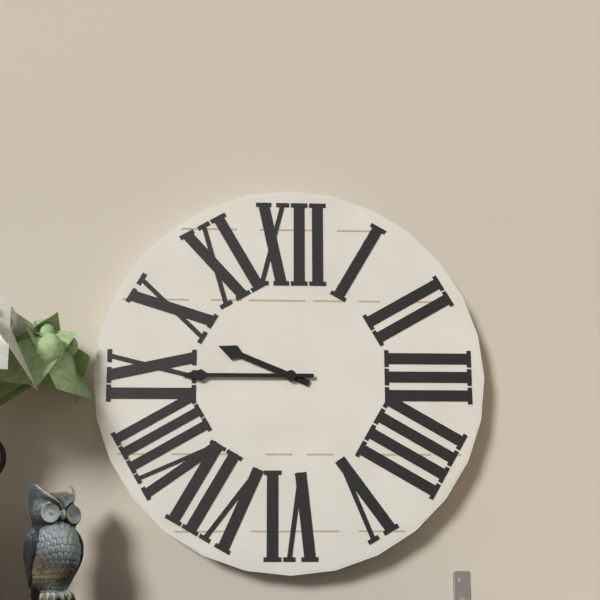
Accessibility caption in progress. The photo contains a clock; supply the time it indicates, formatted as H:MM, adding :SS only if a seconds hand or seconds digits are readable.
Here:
9:45
